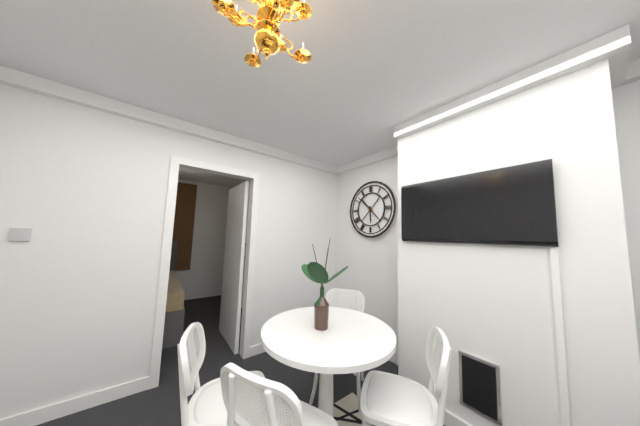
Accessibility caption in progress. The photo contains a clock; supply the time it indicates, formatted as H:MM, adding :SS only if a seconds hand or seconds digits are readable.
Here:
5:52
